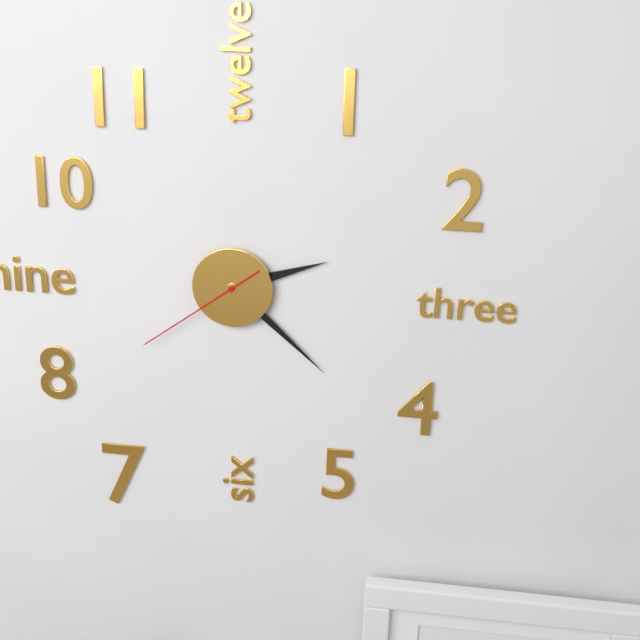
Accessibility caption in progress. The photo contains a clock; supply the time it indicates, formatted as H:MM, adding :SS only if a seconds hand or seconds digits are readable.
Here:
2:22:39
